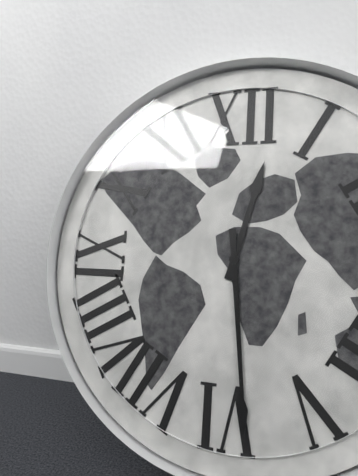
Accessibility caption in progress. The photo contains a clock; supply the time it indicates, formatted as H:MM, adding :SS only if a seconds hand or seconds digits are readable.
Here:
12:29
